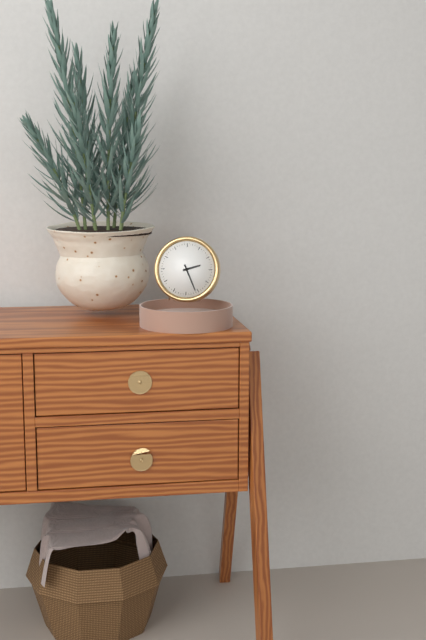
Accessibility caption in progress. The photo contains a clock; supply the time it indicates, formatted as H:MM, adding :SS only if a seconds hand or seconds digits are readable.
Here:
2:26
